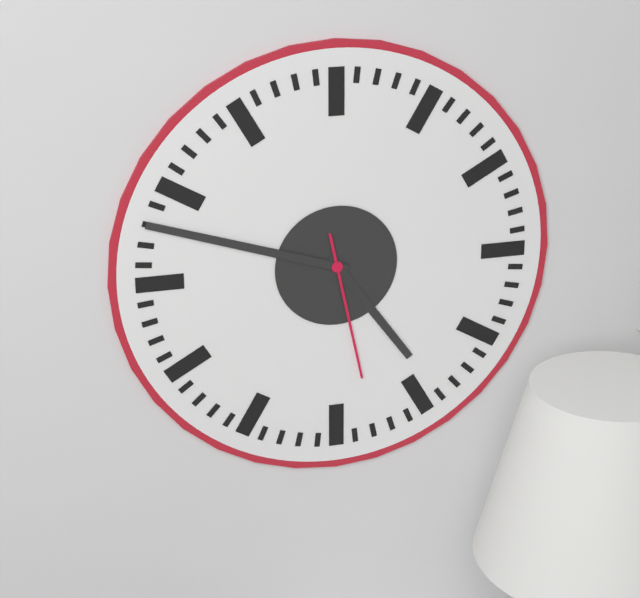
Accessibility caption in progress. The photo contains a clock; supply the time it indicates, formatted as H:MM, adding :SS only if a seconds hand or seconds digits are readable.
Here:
4:48:28
